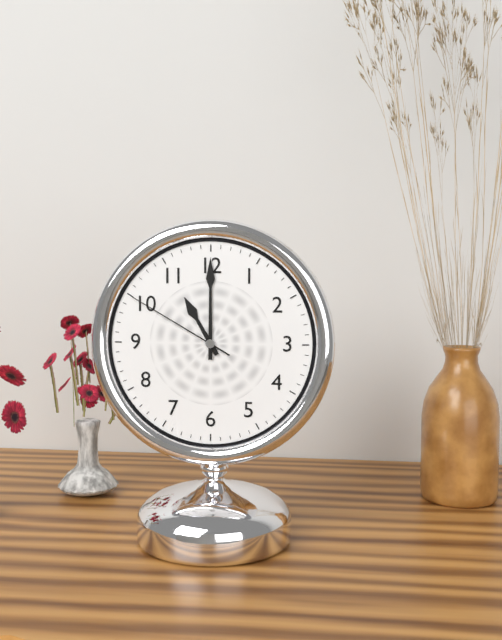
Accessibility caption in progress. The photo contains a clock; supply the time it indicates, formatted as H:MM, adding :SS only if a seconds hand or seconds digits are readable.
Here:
11:00:50
